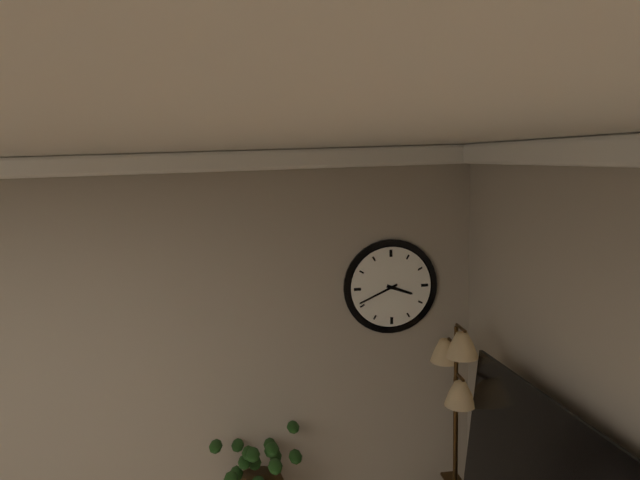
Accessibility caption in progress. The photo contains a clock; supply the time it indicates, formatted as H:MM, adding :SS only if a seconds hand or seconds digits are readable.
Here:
3:41
